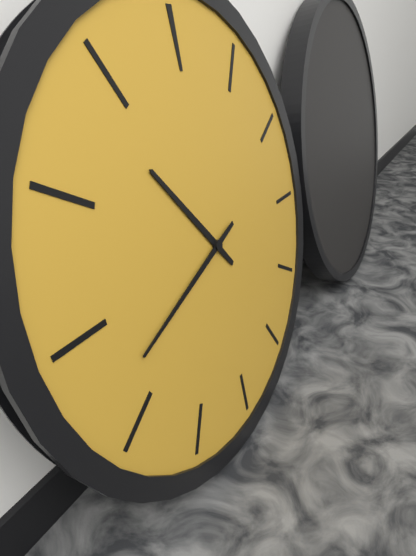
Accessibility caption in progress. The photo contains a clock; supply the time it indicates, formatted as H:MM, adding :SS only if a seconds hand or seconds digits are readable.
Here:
10:42
